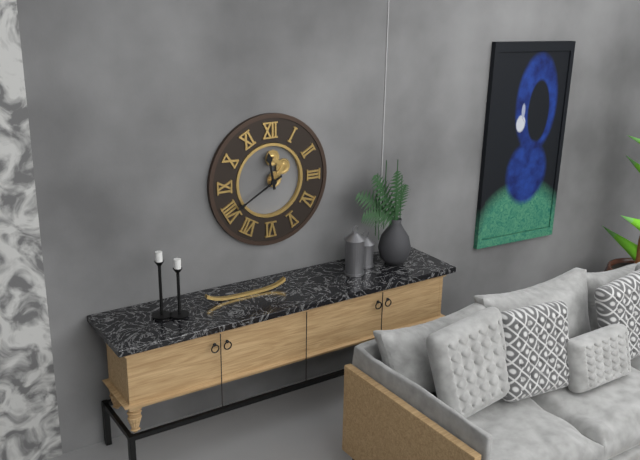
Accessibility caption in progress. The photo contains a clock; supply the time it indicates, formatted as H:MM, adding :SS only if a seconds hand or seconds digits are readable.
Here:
11:40
